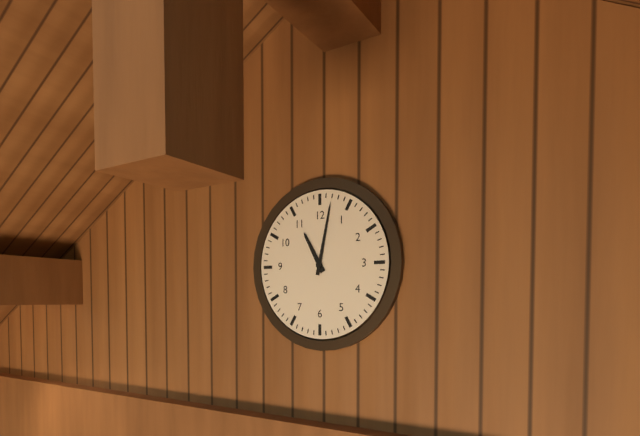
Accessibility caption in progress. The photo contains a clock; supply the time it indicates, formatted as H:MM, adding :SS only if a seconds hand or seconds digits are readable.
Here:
11:02
